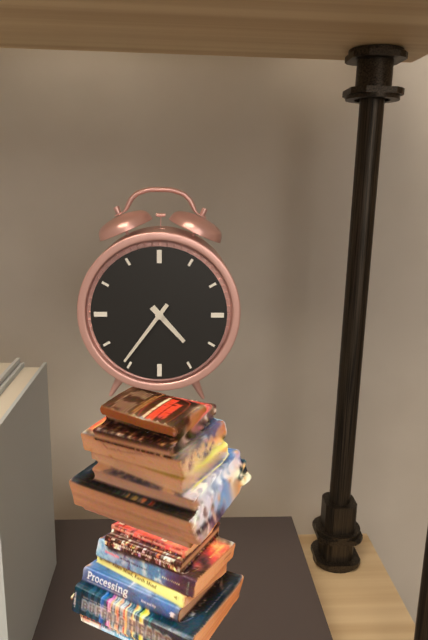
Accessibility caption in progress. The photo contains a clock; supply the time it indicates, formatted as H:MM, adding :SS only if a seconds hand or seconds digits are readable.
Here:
4:36
